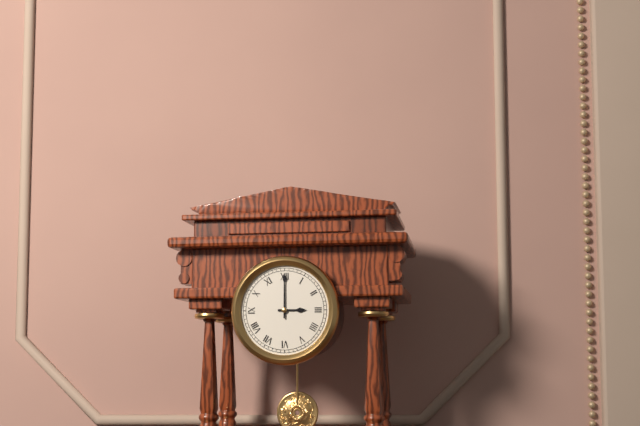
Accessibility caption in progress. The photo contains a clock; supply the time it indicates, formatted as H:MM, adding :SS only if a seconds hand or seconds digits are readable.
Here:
3:00
